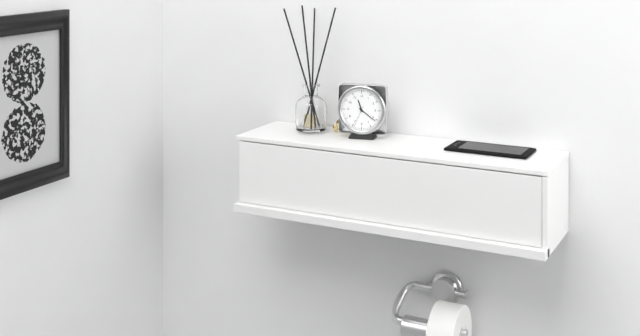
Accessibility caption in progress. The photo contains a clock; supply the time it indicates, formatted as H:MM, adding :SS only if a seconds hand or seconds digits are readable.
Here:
11:21
